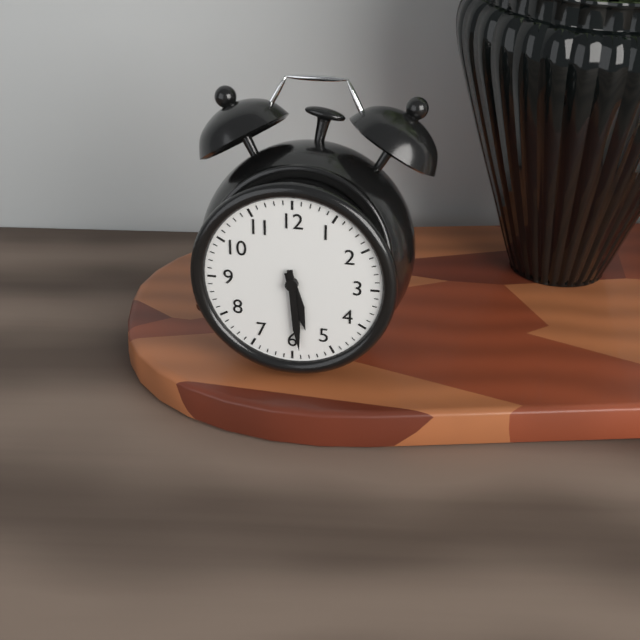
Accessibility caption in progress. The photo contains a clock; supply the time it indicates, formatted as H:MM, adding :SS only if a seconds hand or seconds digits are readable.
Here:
5:29
